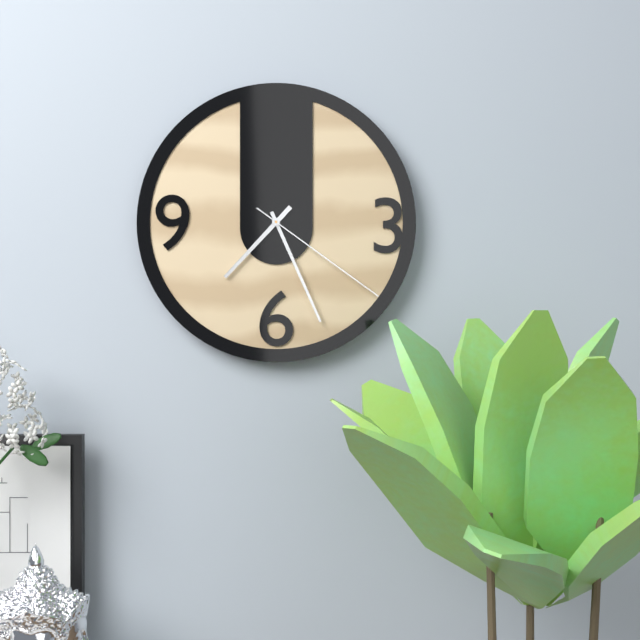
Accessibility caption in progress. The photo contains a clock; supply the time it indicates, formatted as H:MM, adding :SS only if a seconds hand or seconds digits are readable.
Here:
7:26:21
